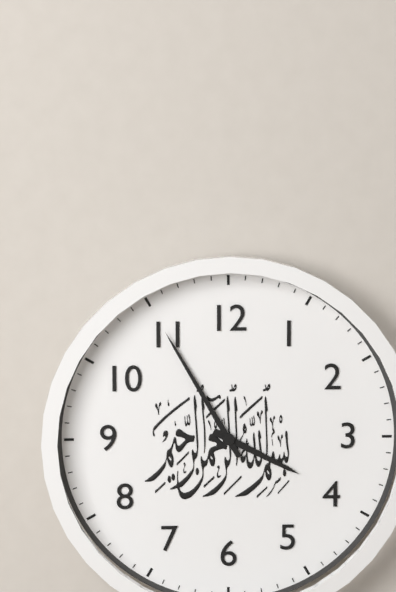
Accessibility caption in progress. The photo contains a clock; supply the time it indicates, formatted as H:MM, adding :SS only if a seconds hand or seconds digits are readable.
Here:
3:55
